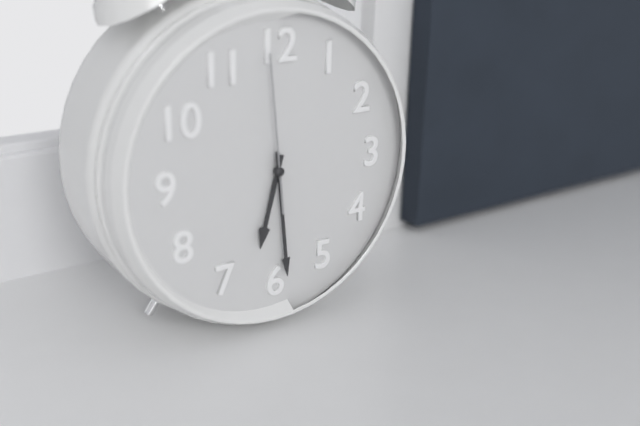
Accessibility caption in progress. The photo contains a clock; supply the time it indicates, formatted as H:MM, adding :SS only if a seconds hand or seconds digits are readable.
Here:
6:29:59
